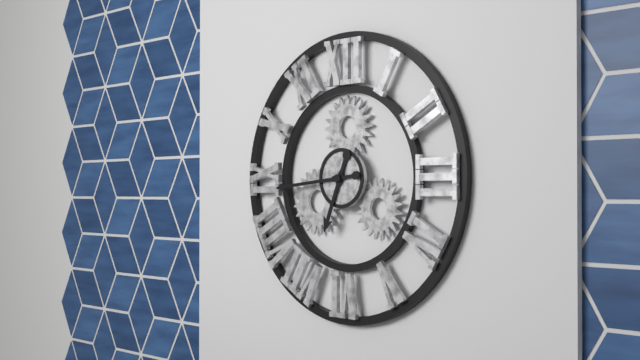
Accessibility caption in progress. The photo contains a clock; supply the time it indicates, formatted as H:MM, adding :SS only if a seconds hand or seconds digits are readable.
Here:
6:44
